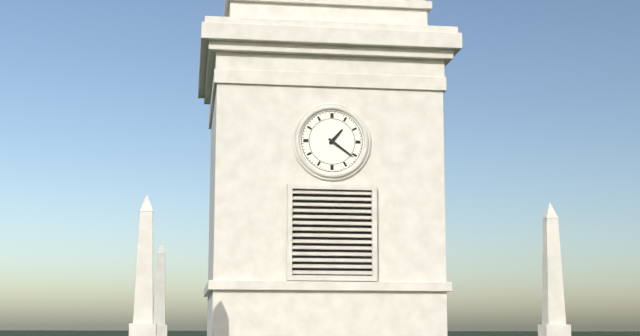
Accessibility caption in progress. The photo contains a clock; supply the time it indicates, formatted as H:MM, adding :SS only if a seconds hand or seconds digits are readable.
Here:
1:21
